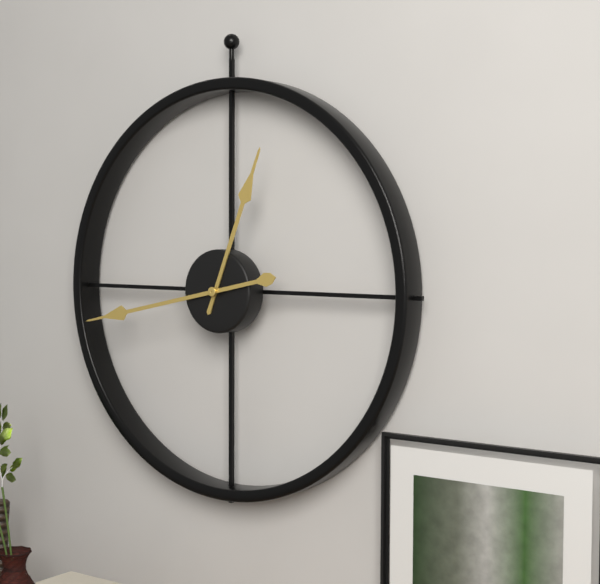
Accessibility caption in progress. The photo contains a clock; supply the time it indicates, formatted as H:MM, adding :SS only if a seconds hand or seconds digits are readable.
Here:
12:43
